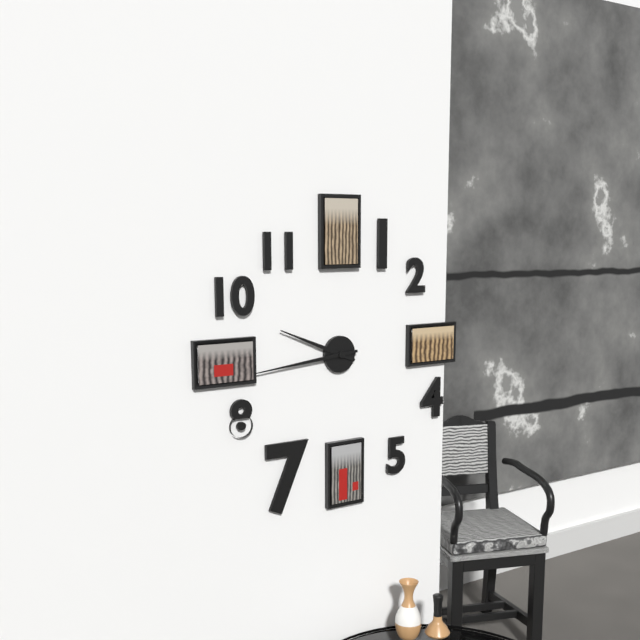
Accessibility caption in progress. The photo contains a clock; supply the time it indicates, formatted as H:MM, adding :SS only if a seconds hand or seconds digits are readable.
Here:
9:44
